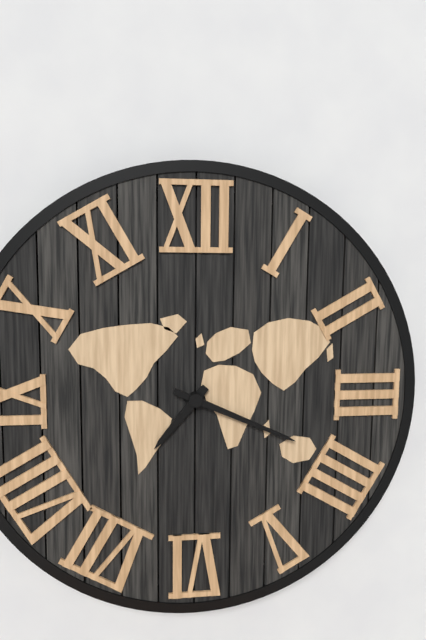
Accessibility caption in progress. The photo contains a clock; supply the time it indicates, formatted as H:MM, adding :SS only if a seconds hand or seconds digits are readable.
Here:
7:19
